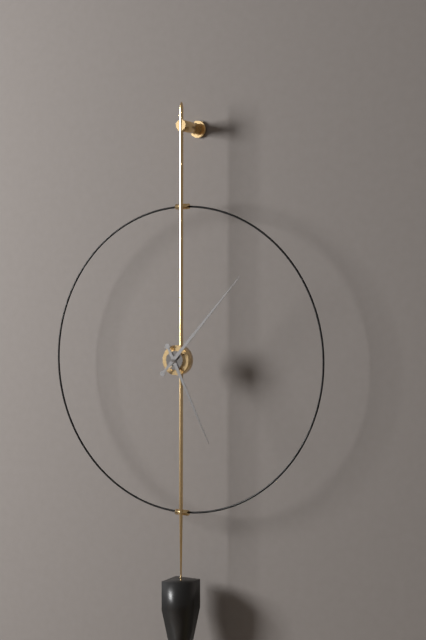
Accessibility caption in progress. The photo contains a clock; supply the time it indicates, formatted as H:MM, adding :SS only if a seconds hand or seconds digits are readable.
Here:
5:07
